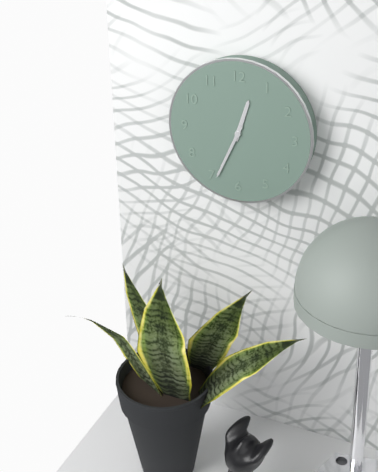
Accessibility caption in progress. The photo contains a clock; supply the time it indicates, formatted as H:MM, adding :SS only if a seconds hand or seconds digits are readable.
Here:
12:34
